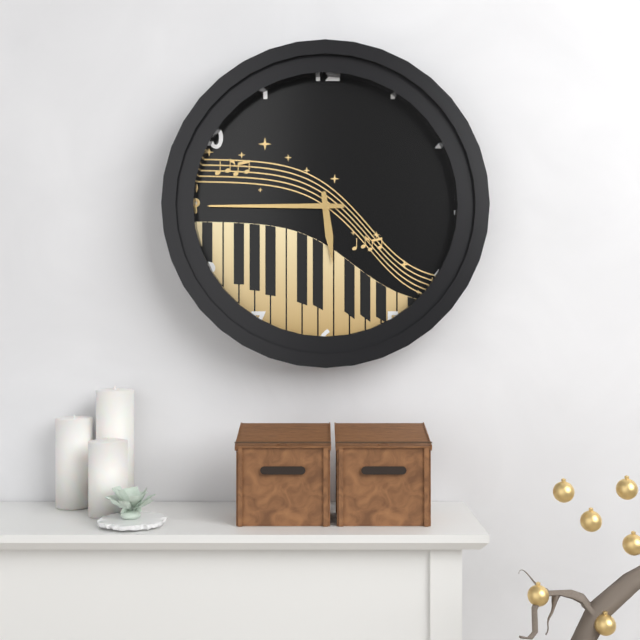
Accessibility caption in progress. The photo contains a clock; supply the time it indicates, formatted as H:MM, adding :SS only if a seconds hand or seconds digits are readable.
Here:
5:45
